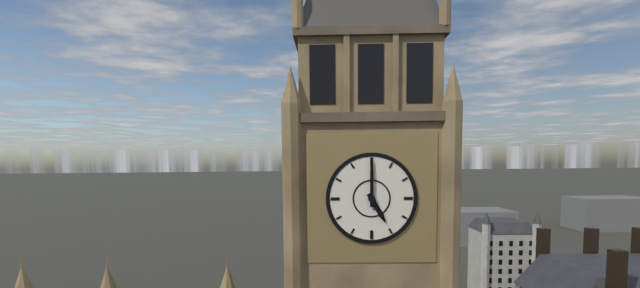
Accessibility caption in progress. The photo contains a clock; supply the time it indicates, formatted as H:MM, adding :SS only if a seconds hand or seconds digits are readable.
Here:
5:00
